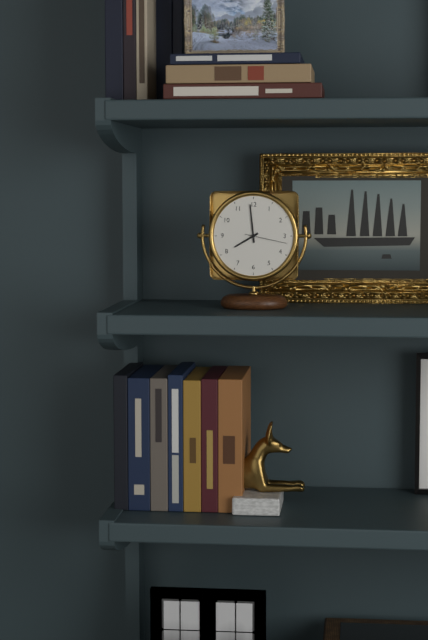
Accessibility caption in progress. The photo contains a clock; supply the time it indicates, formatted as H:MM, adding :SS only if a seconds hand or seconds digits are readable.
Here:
7:59
